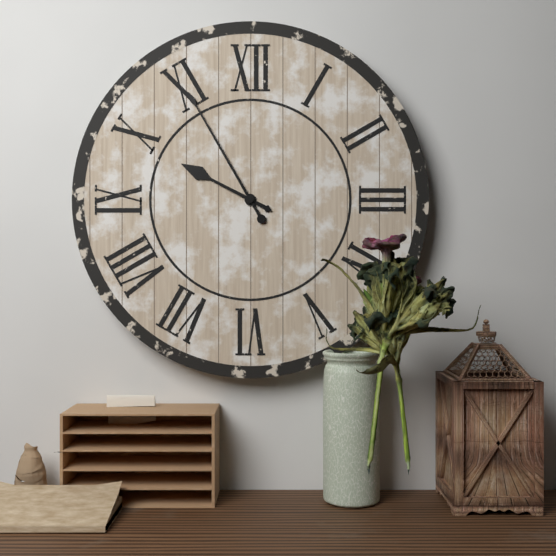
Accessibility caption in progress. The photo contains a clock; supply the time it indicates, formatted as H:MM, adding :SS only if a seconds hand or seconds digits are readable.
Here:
9:55
